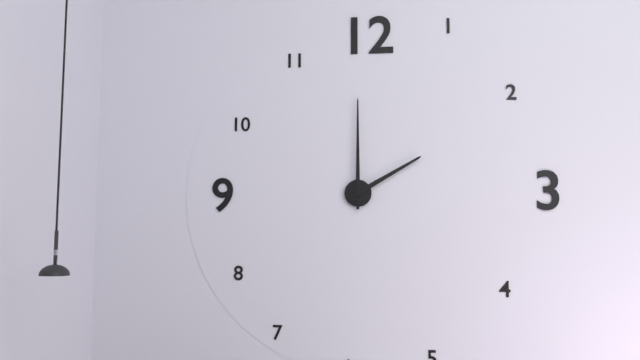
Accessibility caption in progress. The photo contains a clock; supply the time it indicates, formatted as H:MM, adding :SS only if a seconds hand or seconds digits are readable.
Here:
2:00
